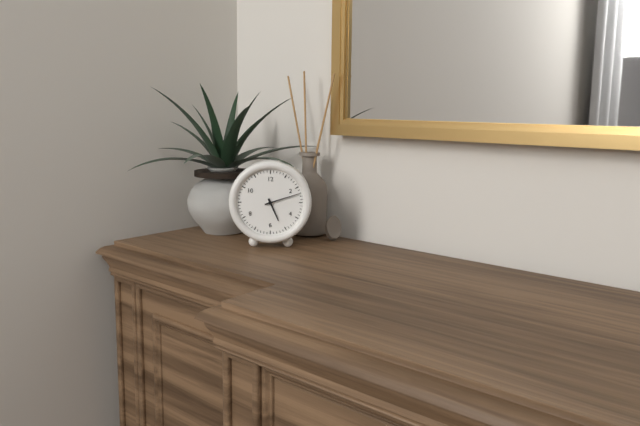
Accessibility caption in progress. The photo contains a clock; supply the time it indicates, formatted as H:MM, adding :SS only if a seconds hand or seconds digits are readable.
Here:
5:12
